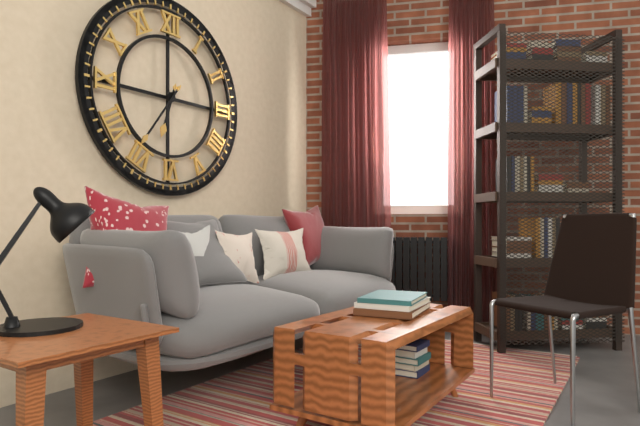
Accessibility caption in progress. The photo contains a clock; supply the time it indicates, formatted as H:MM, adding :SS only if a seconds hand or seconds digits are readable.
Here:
6:36
